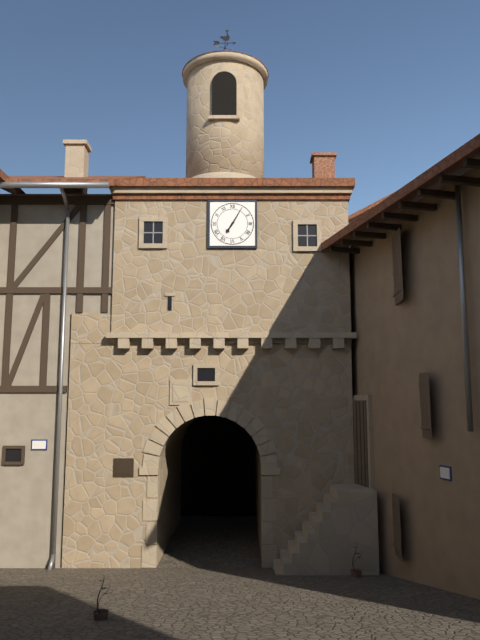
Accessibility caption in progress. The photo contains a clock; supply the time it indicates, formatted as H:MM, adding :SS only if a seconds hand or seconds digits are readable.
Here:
7:05
